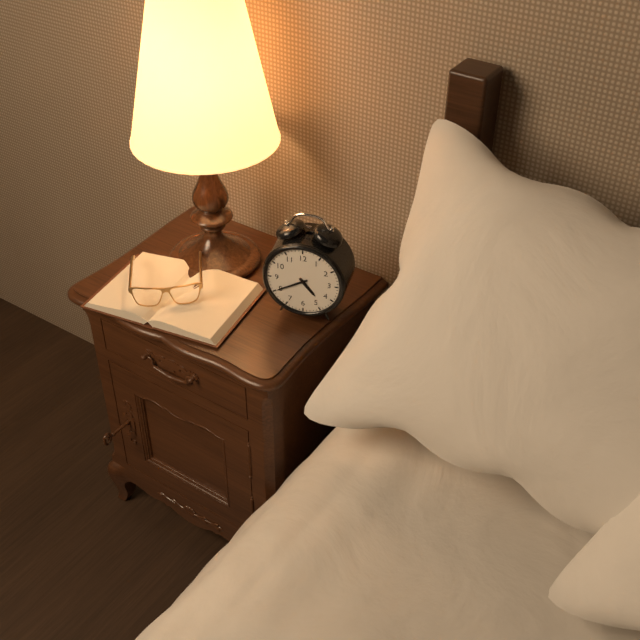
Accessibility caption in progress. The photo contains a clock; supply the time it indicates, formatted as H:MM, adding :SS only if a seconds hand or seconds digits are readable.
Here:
4:40
